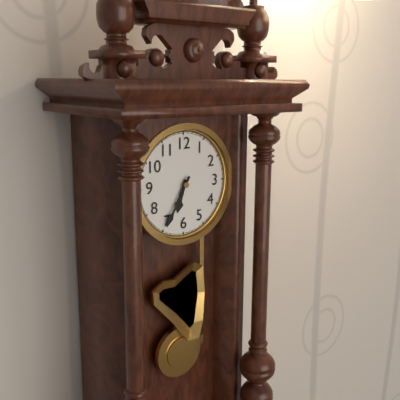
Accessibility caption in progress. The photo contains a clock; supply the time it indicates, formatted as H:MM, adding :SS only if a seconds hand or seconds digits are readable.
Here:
6:35
